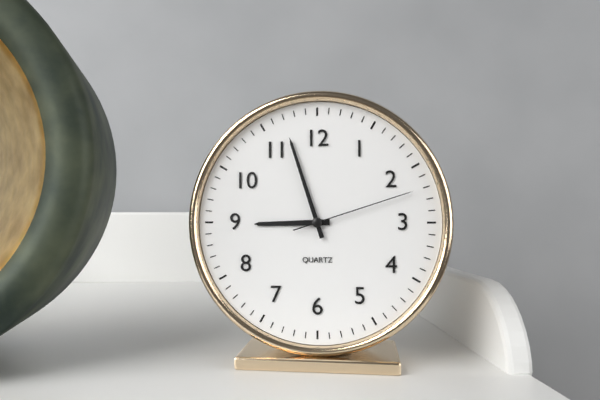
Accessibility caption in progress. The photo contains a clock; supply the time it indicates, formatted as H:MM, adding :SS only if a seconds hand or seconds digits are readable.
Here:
8:57:12
